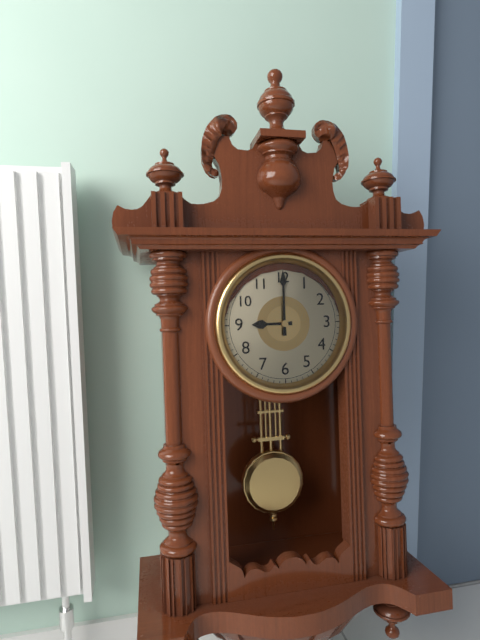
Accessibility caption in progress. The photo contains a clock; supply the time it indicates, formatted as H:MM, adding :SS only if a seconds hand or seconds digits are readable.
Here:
9:00
